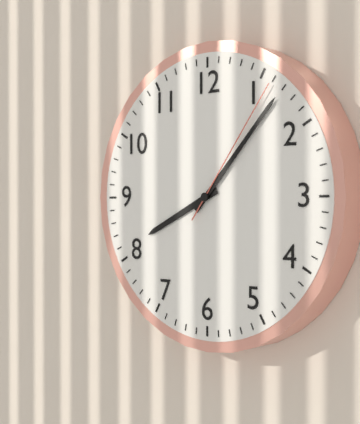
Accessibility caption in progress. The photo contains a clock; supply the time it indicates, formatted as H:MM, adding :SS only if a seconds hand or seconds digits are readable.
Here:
8:07:06
